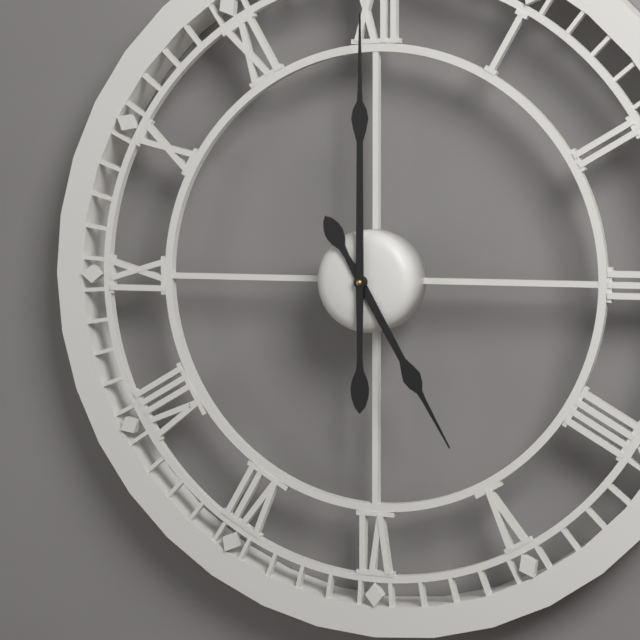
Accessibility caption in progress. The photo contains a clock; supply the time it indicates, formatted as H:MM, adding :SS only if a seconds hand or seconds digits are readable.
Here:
5:00
